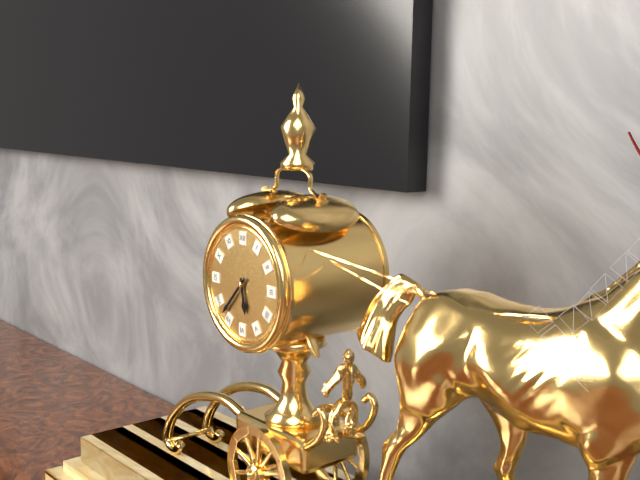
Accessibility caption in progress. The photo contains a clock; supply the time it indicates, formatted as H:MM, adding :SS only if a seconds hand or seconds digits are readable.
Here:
5:37
